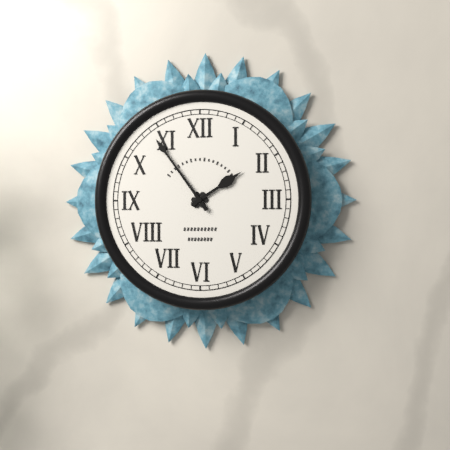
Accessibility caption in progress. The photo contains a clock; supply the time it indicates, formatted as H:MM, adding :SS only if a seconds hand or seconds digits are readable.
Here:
1:54
